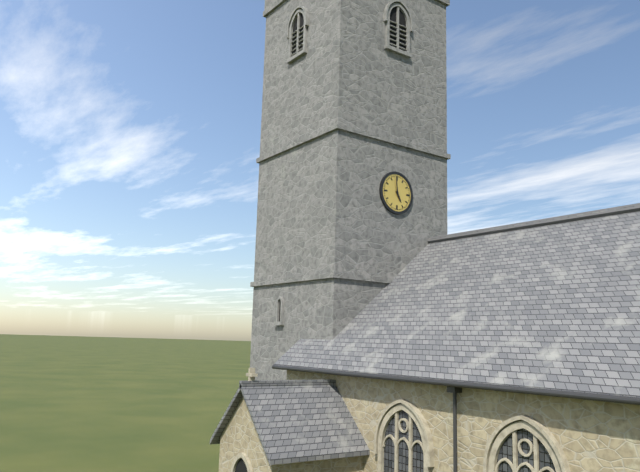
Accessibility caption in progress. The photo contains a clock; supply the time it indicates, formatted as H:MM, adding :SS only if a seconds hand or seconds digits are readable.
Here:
4:59
